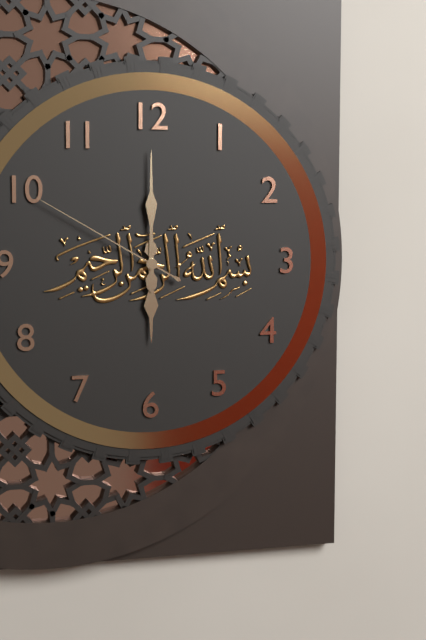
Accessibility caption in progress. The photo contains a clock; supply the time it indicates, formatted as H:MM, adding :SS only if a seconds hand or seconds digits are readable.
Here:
6:00:50
